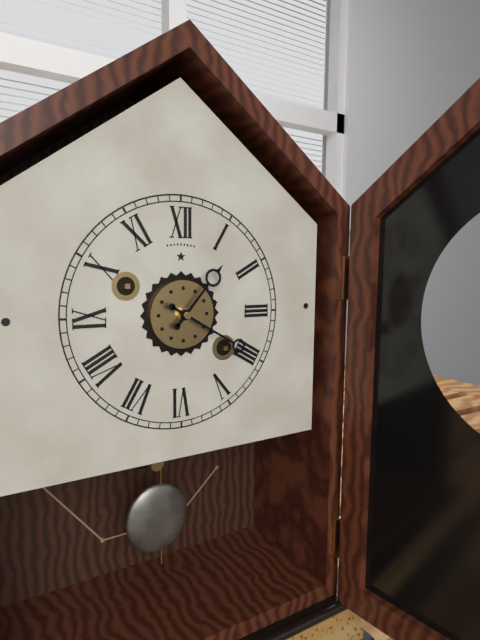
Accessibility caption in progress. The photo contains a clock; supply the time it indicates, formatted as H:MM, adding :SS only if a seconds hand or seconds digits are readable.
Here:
1:20
